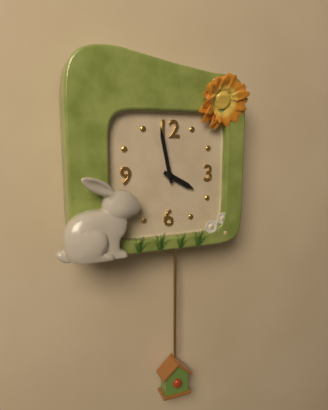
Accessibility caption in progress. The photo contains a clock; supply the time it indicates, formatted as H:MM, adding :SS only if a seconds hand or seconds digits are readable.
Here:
3:58
